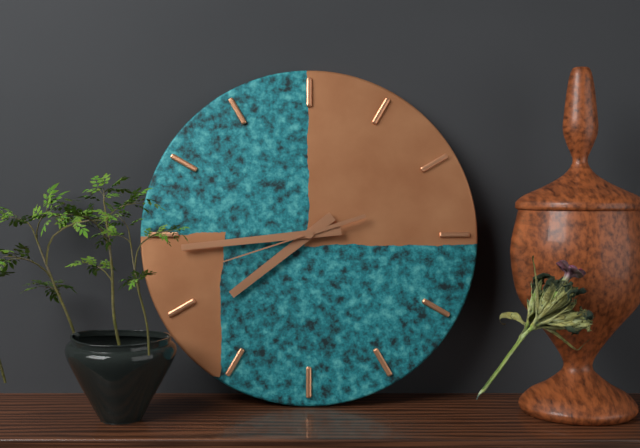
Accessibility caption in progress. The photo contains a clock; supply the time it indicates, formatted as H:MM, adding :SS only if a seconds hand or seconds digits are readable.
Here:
7:44:42
